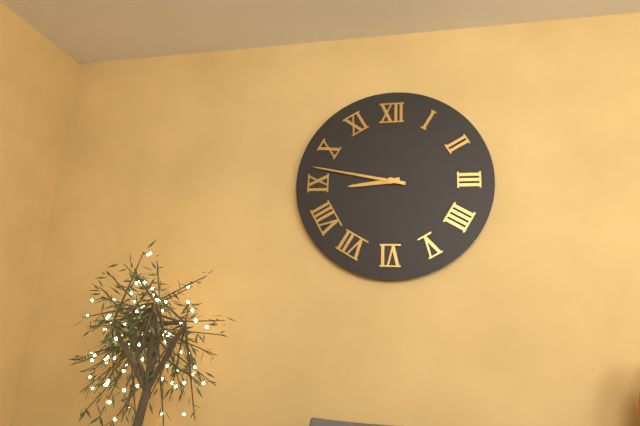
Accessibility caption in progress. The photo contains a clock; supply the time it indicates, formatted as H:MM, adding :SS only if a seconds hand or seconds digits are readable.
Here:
8:47
